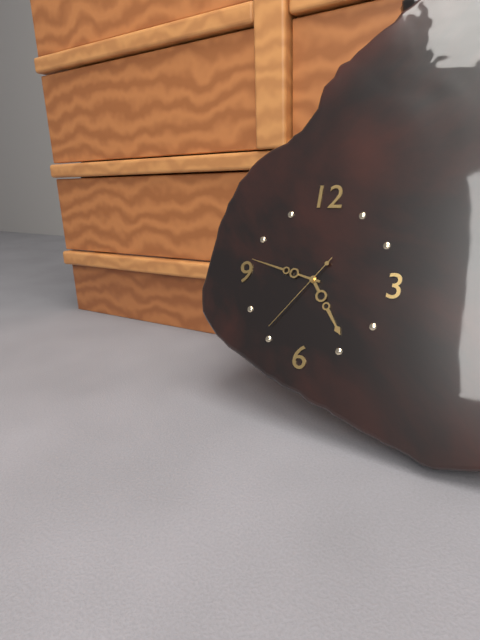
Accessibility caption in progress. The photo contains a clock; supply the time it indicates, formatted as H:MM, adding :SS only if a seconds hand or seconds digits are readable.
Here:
4:47:36
